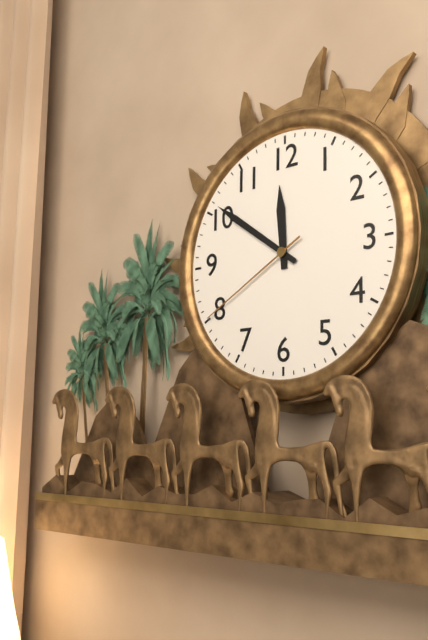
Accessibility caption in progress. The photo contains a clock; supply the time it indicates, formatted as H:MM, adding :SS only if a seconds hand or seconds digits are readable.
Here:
11:51:40
